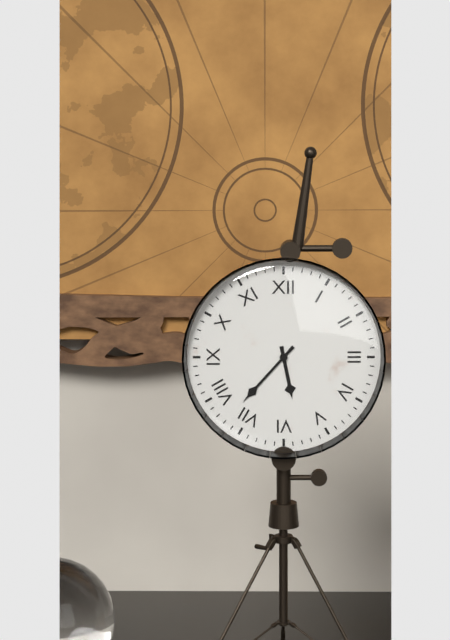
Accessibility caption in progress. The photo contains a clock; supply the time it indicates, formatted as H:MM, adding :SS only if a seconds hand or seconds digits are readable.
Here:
5:37
